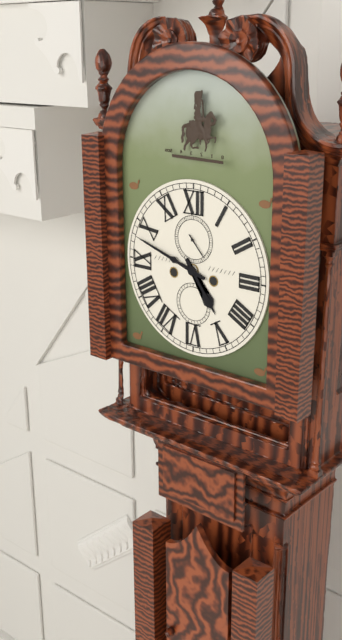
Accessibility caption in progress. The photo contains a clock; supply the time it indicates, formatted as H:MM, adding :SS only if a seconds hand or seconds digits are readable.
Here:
4:48
